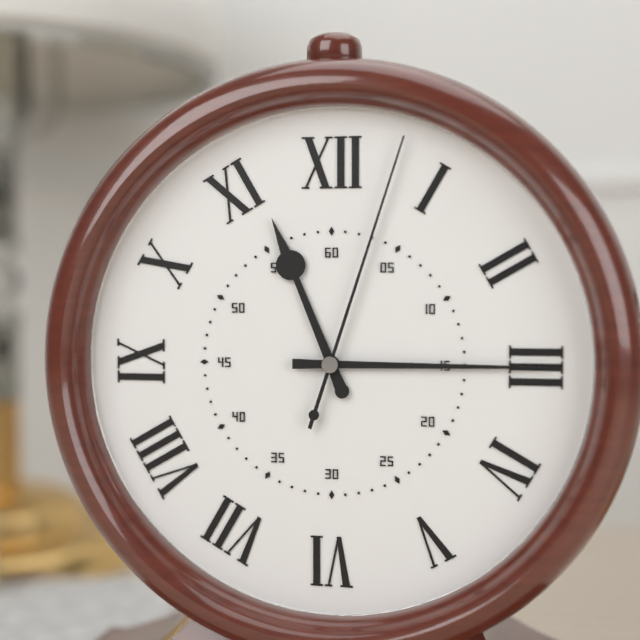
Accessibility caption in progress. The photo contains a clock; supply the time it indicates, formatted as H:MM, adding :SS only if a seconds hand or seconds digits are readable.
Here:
11:15:03
